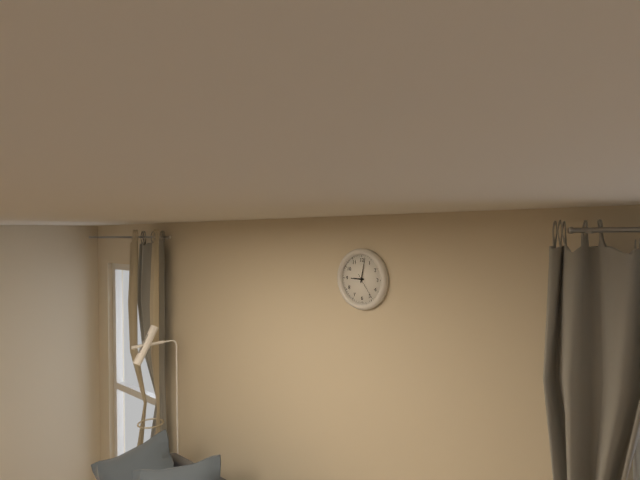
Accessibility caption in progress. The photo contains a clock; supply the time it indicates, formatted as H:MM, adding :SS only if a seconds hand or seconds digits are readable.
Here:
9:02
